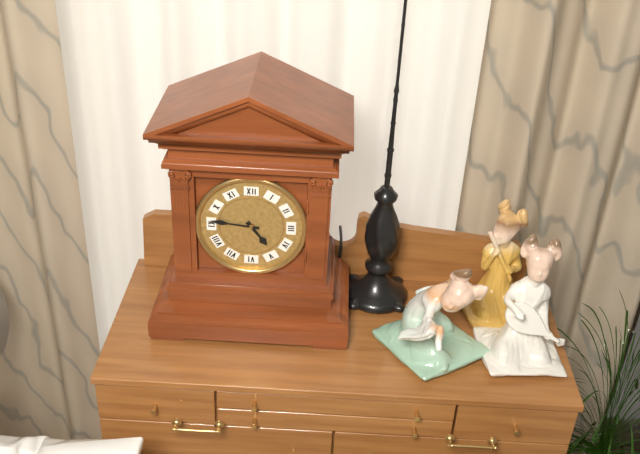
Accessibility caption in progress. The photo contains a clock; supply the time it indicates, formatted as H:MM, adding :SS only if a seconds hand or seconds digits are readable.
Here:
4:46
